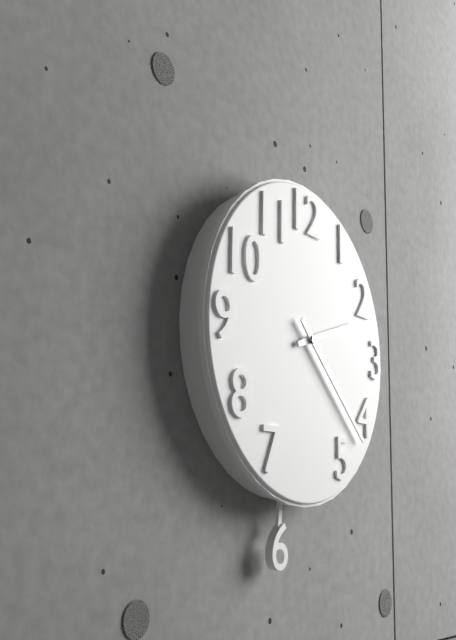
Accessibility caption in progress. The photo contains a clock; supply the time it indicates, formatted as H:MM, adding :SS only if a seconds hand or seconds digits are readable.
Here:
2:22
